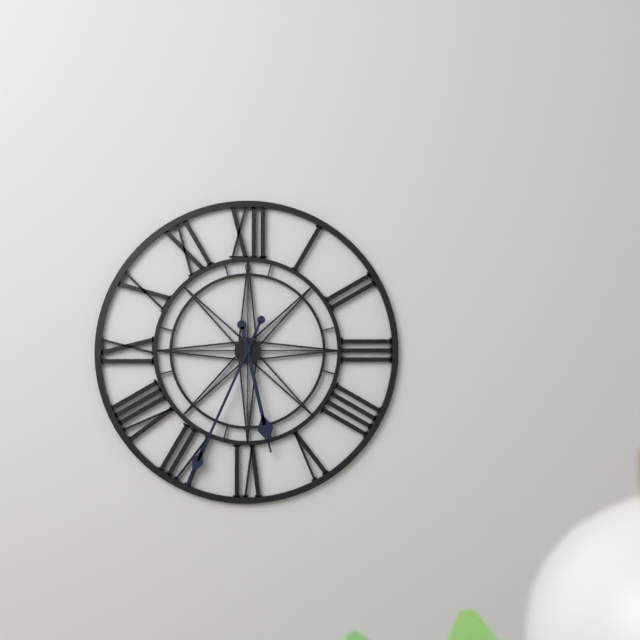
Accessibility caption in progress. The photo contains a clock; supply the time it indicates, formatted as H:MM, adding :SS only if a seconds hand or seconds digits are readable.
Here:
5:34
